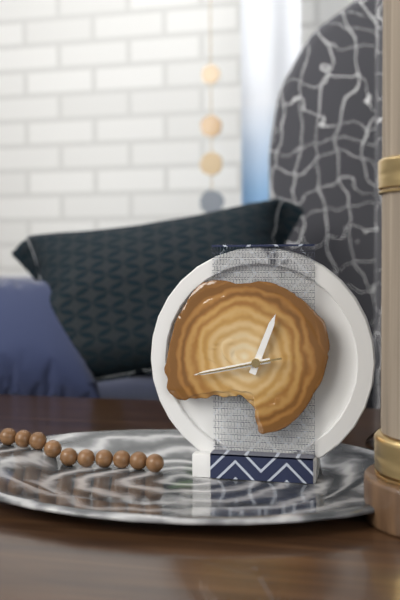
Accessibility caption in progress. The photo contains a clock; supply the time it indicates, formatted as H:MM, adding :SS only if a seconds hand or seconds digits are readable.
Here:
12:43:43
